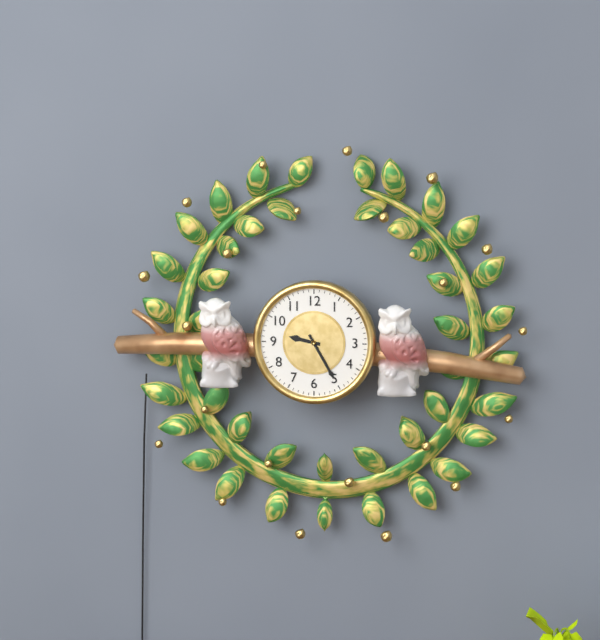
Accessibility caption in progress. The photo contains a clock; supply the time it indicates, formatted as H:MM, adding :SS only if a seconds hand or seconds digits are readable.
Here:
9:25
